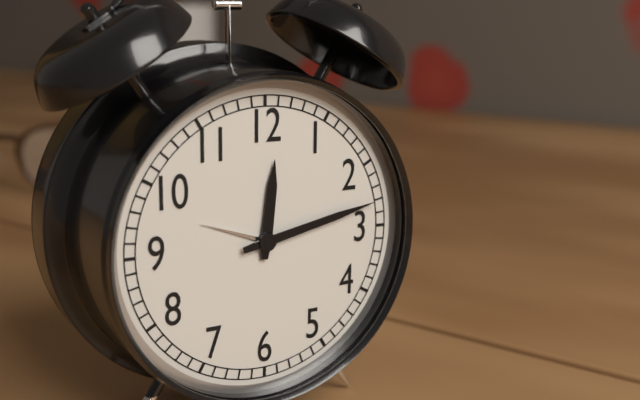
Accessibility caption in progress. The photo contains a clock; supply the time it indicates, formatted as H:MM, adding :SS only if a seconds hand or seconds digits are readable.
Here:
12:13
